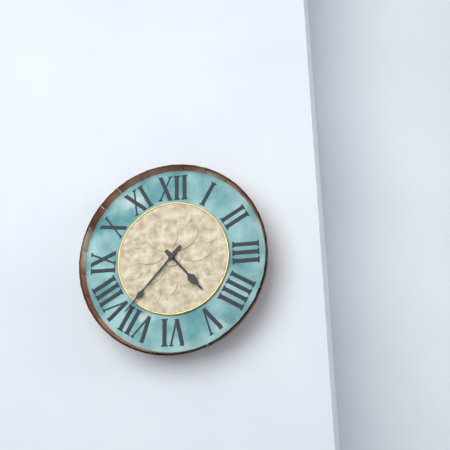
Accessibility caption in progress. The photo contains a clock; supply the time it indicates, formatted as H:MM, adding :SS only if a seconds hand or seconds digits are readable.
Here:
4:37
